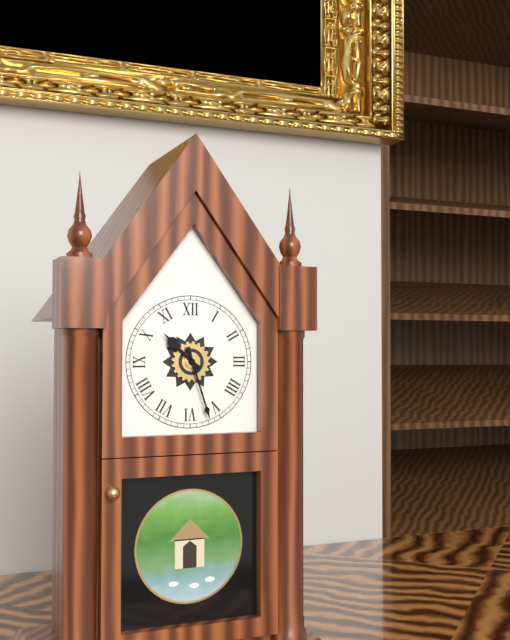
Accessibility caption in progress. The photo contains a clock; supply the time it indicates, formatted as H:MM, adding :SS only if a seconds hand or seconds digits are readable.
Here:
10:27
